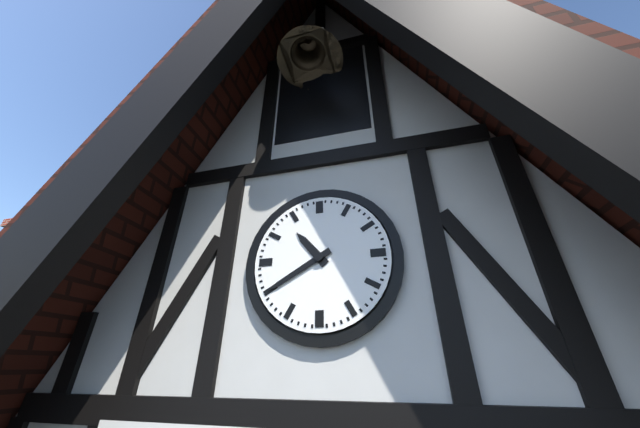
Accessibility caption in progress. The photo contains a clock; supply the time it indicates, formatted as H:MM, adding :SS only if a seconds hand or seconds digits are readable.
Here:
10:40
